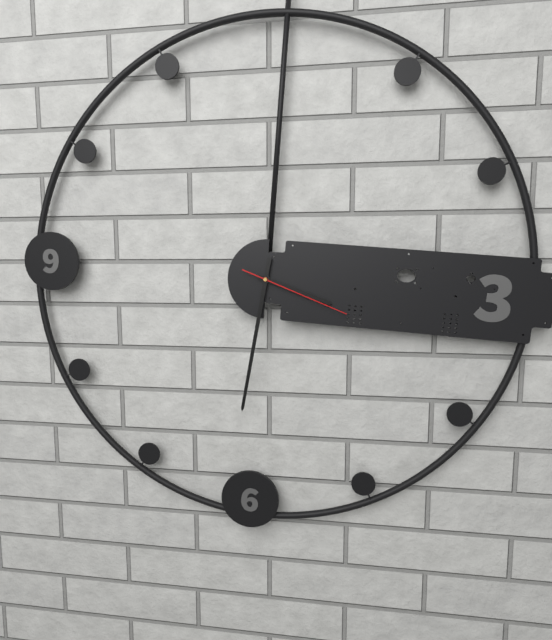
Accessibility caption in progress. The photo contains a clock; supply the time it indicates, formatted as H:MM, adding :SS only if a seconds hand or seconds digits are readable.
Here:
3:31:18
